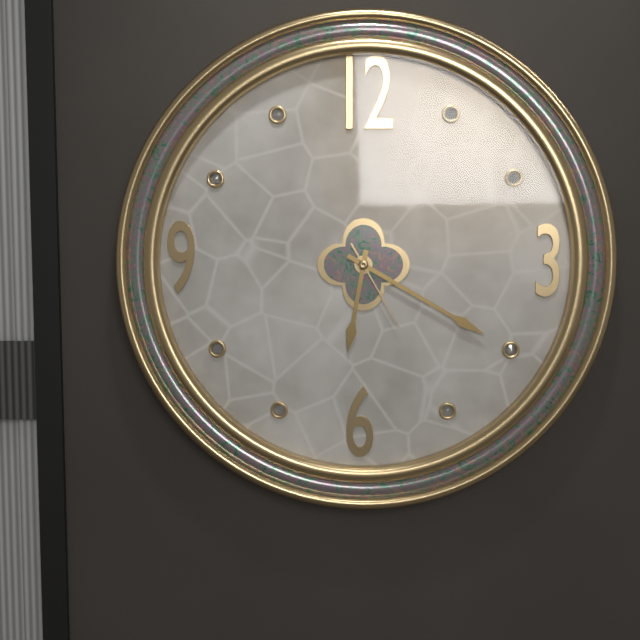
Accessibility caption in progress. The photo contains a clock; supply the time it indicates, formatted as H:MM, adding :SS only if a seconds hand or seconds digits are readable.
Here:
6:20:25
